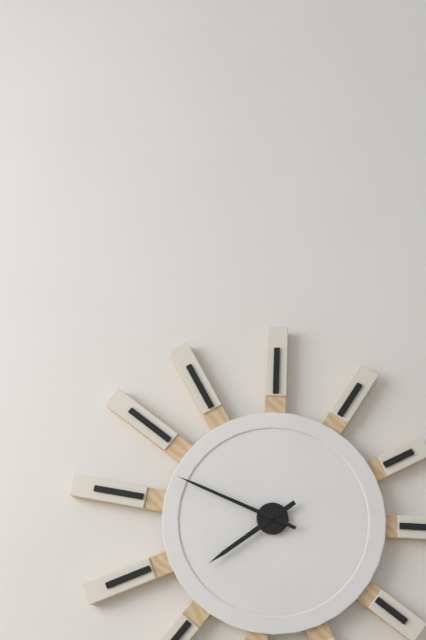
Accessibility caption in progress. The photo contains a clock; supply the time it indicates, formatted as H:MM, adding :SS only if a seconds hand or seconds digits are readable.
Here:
7:49
